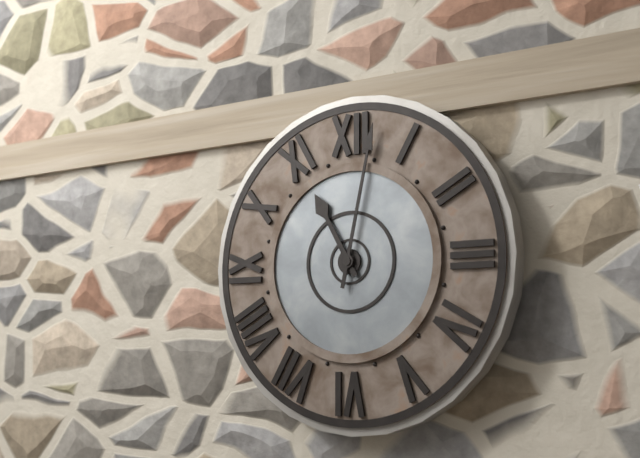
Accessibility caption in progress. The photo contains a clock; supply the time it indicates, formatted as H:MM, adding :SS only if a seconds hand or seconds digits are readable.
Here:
11:02
